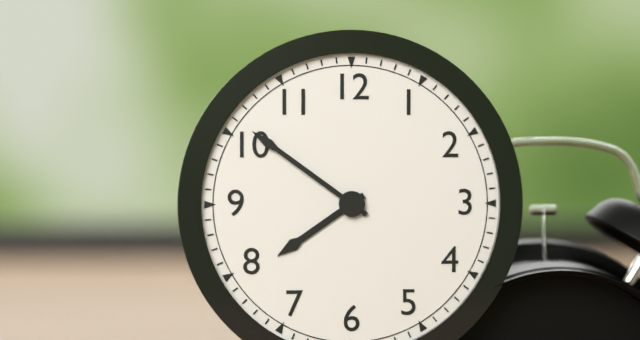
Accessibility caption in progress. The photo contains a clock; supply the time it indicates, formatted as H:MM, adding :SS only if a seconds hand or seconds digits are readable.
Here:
7:51
